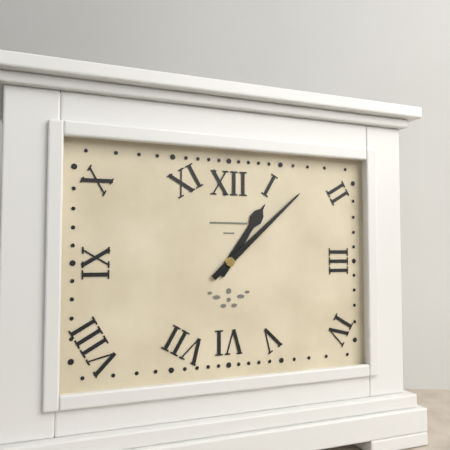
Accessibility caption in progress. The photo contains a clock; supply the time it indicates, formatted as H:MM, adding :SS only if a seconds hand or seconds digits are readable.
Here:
1:08
